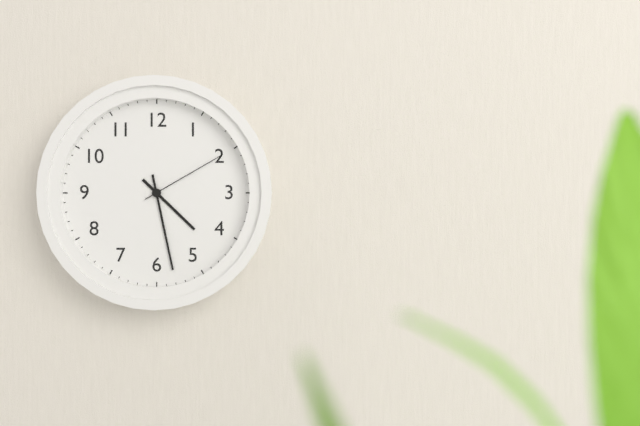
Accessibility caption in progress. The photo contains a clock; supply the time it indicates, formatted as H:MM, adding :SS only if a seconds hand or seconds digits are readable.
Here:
4:28:10
